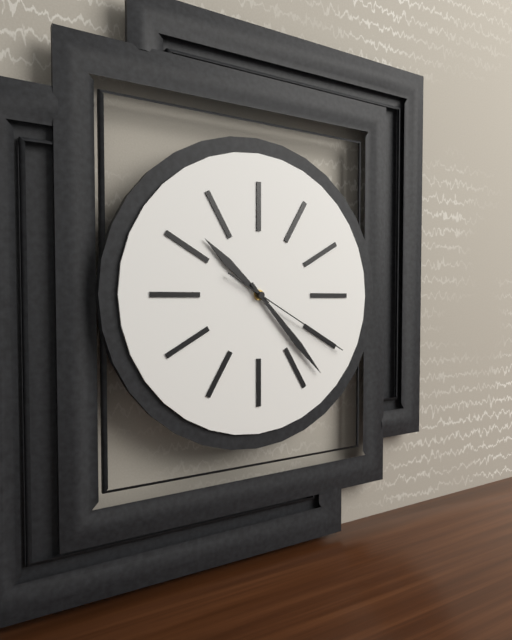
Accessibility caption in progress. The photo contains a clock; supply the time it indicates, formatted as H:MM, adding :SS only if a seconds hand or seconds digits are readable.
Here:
10:23:20
